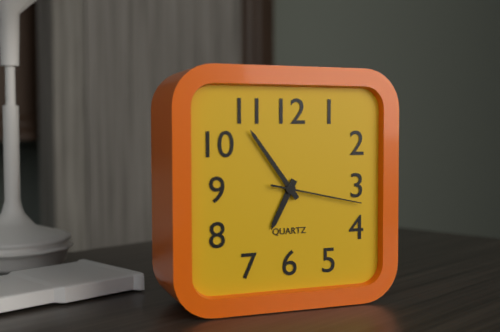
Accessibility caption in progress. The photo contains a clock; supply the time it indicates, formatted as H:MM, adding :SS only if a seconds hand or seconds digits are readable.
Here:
6:54:17
